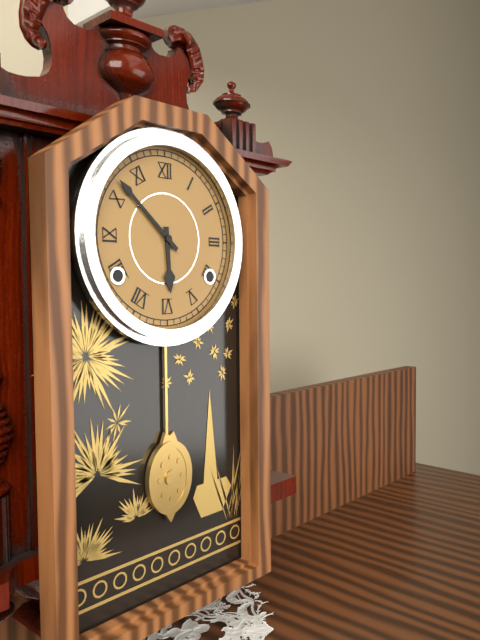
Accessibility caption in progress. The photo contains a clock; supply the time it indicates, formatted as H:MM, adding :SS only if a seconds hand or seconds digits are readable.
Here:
5:52
